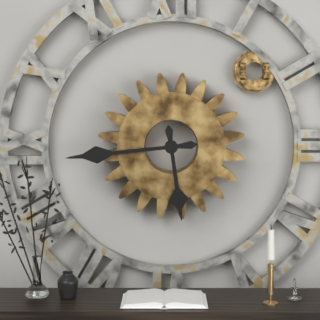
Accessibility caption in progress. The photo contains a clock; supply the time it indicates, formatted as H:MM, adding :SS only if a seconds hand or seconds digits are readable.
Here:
5:44
